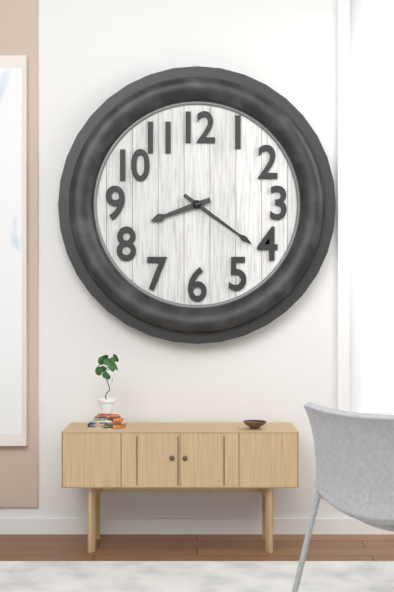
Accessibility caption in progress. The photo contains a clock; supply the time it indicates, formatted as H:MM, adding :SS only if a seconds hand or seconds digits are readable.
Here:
8:21
